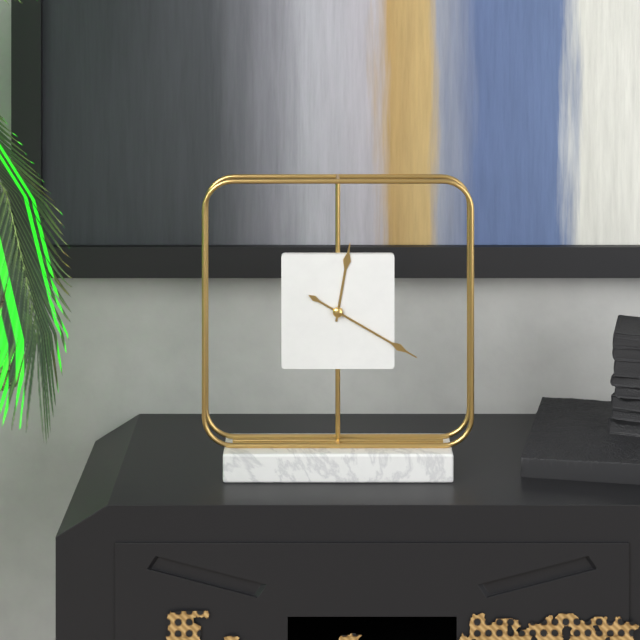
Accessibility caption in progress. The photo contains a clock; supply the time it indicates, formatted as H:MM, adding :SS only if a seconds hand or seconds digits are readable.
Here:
12:20
